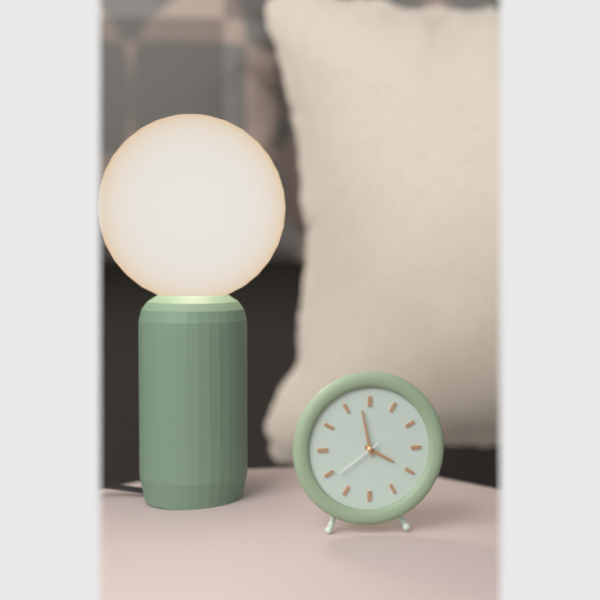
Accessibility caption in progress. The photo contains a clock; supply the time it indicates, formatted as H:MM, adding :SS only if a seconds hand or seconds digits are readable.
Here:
3:58
